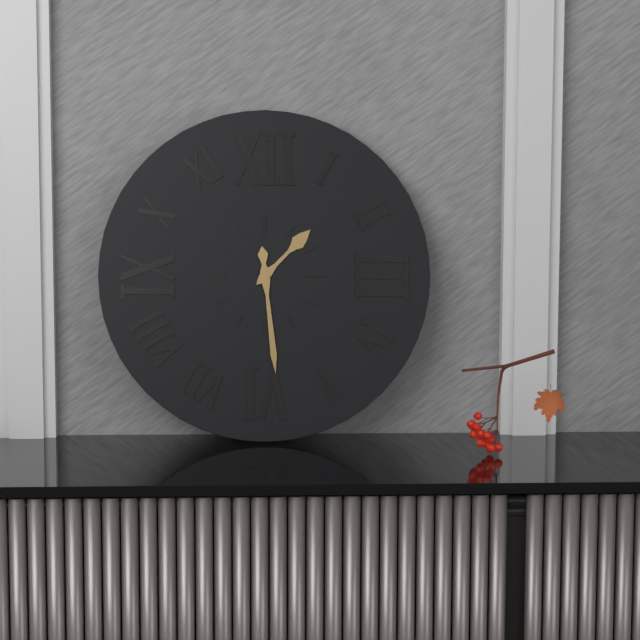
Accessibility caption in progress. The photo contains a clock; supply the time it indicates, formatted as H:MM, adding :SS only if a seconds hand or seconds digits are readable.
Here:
1:29
